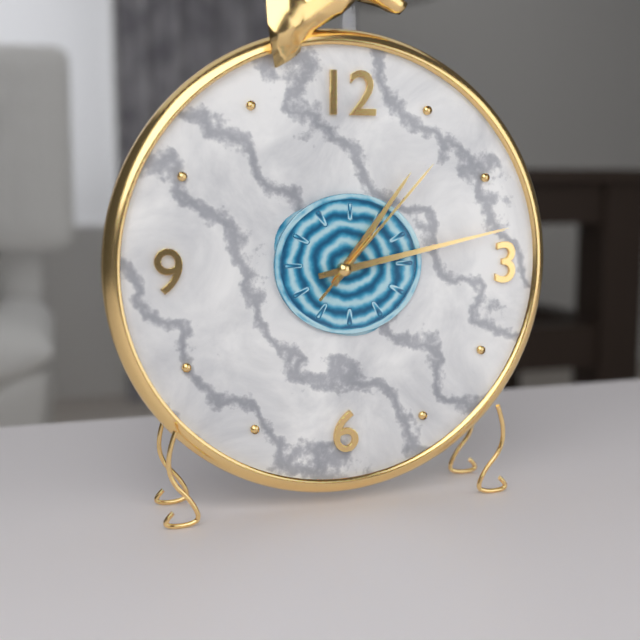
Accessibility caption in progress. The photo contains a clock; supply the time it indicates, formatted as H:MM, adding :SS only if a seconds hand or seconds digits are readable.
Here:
1:13:07
